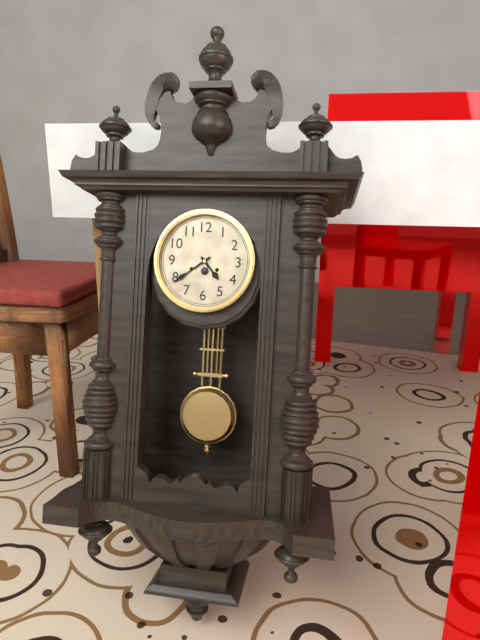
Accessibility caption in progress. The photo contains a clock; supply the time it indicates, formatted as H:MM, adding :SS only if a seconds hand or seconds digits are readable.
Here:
4:39
